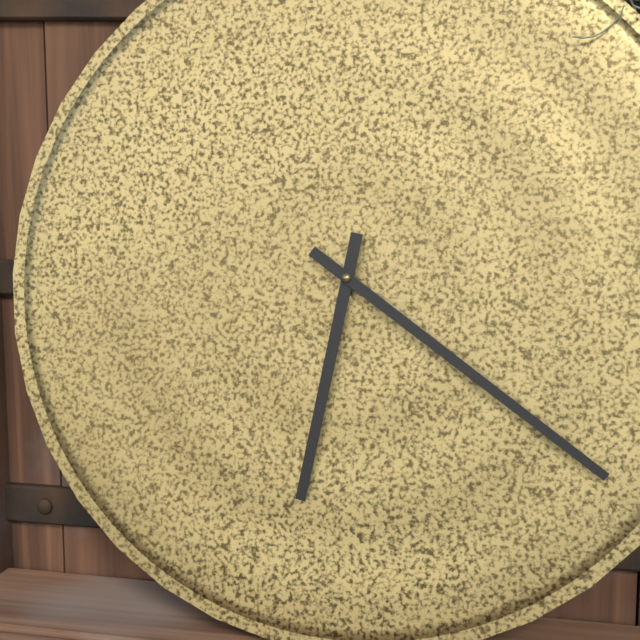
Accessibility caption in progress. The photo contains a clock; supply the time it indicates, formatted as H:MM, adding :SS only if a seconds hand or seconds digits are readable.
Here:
6:21
